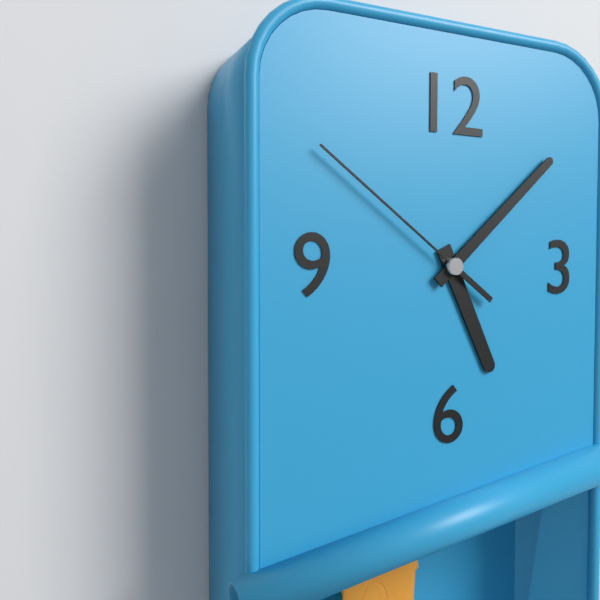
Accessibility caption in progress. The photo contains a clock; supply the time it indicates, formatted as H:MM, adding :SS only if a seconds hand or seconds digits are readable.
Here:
5:08:51
